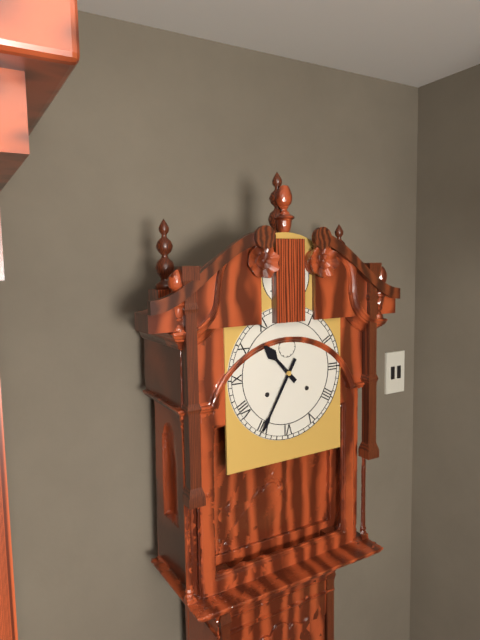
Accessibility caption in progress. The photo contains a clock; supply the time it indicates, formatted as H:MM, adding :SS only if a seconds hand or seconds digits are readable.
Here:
10:35
